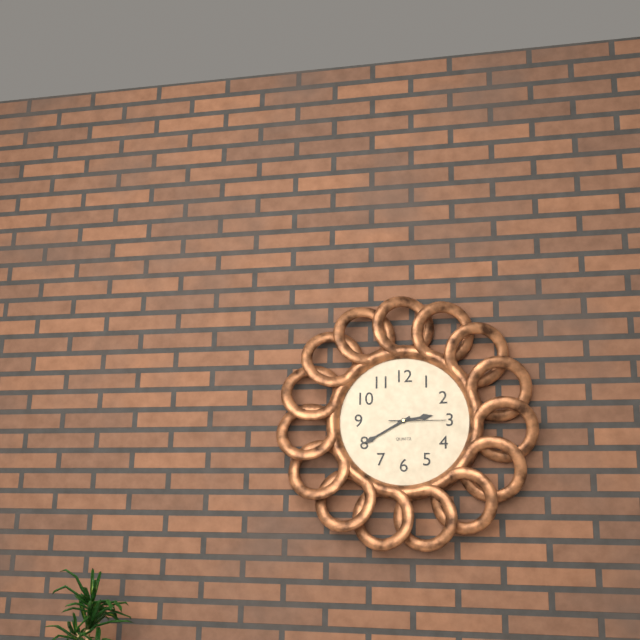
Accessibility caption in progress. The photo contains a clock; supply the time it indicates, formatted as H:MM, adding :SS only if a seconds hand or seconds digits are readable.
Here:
2:40:15
